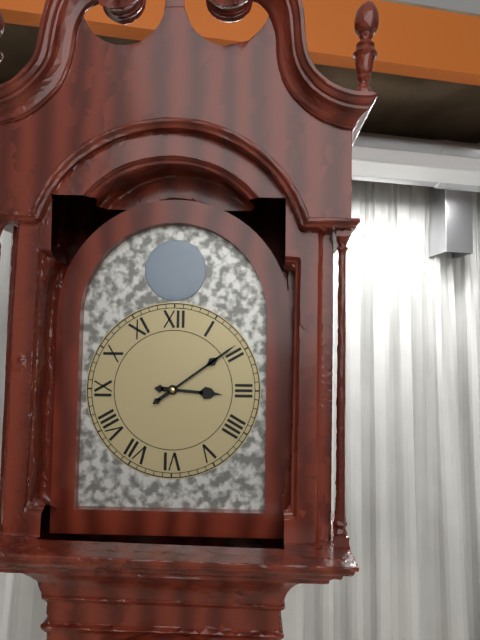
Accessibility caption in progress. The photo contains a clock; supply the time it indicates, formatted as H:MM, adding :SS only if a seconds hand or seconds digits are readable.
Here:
3:09
